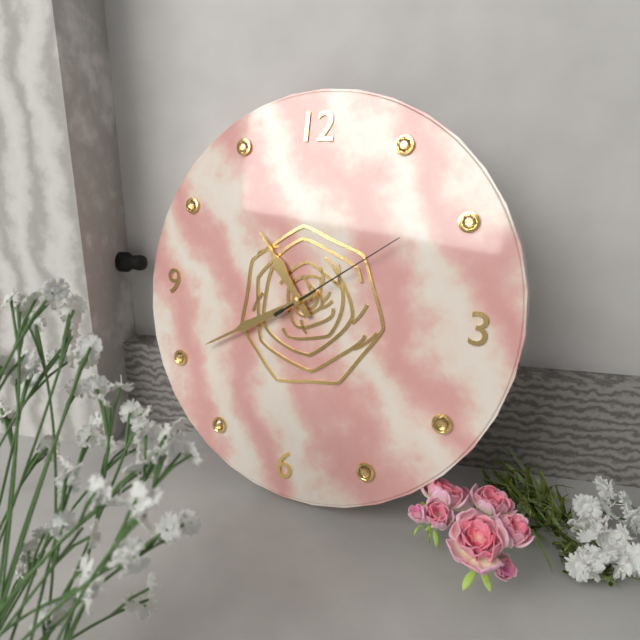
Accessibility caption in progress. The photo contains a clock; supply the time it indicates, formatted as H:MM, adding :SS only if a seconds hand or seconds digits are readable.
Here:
10:40:09
